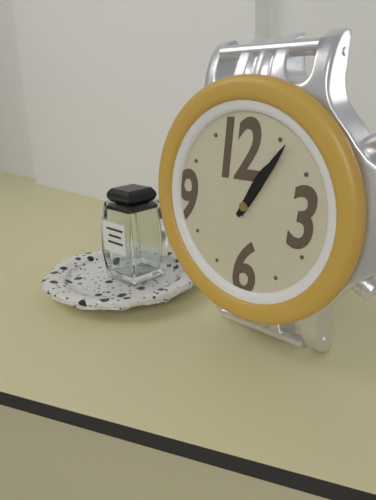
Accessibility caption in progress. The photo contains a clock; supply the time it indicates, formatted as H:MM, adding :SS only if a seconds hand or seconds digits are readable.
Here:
1:06
